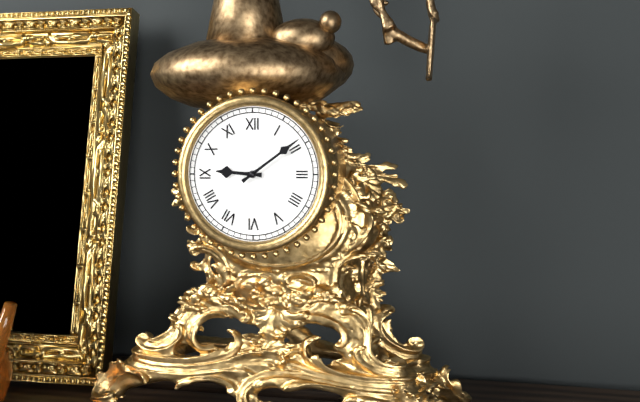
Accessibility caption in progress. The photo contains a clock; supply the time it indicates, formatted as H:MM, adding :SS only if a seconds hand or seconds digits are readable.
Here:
9:09
